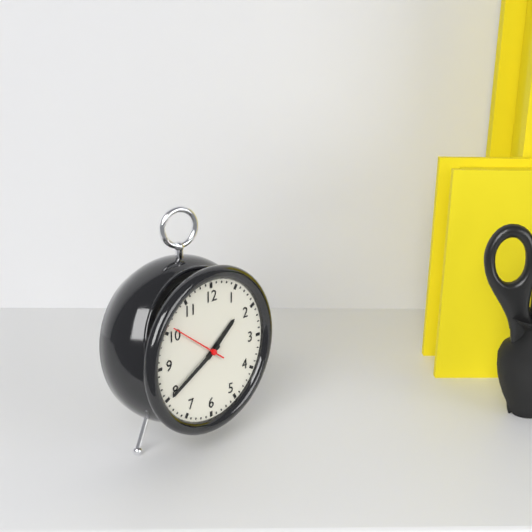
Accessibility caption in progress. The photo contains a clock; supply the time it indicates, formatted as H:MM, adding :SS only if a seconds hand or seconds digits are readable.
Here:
1:40:51
